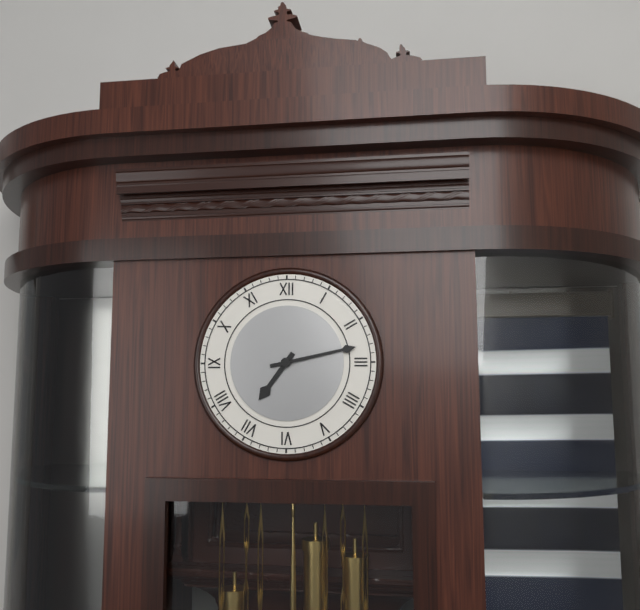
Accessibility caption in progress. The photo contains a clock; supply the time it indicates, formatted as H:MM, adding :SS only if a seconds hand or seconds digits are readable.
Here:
7:13
